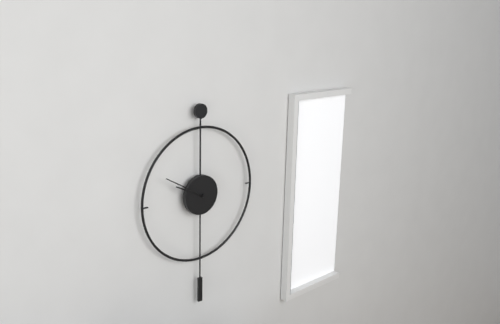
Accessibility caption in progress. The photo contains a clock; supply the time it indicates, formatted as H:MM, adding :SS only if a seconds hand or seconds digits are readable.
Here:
9:50
